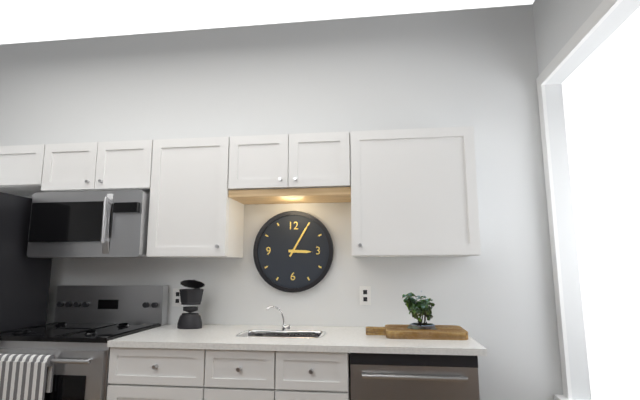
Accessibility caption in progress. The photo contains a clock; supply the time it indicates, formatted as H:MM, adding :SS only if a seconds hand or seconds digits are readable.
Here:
3:05
